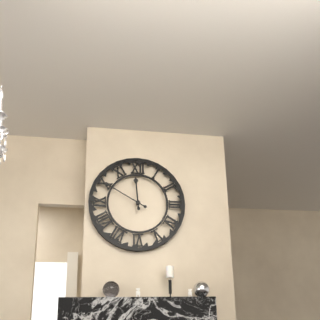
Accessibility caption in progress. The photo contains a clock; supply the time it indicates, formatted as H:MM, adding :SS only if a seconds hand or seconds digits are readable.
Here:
11:50
